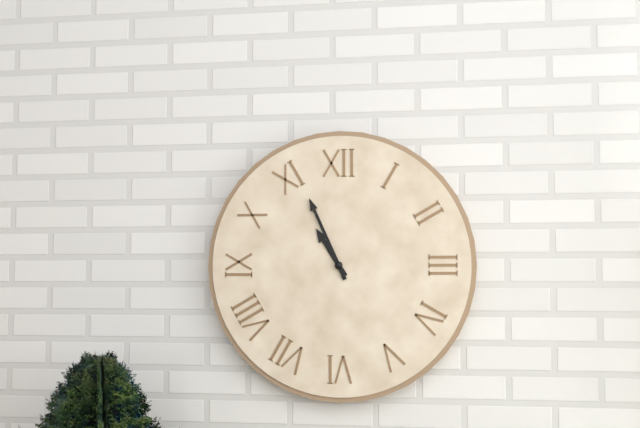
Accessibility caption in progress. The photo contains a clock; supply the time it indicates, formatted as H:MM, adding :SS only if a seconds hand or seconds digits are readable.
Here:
10:56
